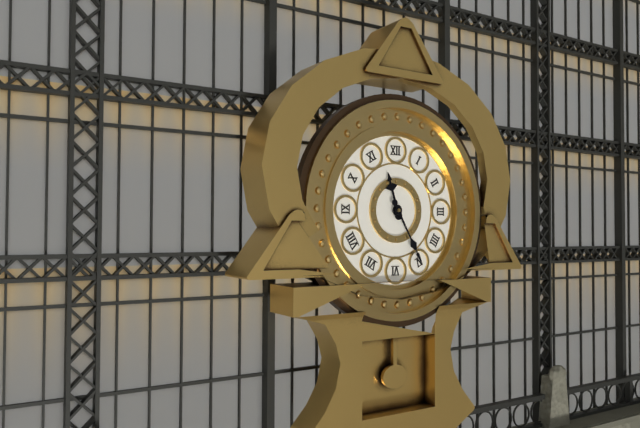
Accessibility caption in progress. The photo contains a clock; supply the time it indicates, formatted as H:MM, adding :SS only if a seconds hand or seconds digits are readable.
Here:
11:25
